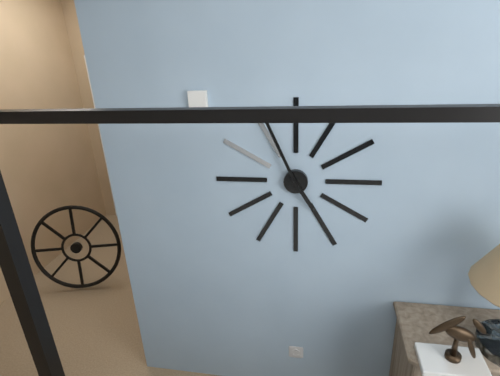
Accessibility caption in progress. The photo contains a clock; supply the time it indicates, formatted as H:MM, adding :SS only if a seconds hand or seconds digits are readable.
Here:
4:56
